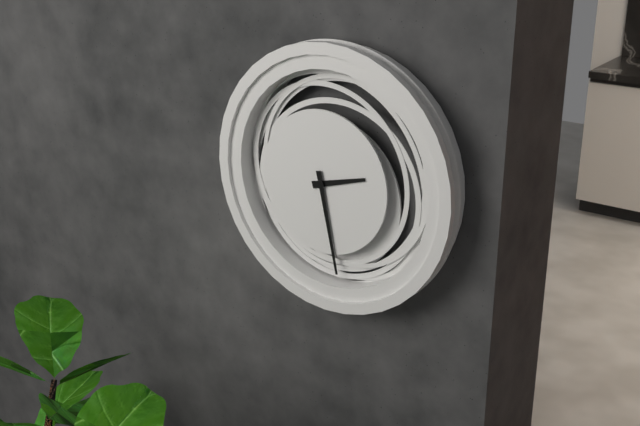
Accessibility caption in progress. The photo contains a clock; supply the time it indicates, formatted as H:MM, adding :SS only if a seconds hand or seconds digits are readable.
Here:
2:28
